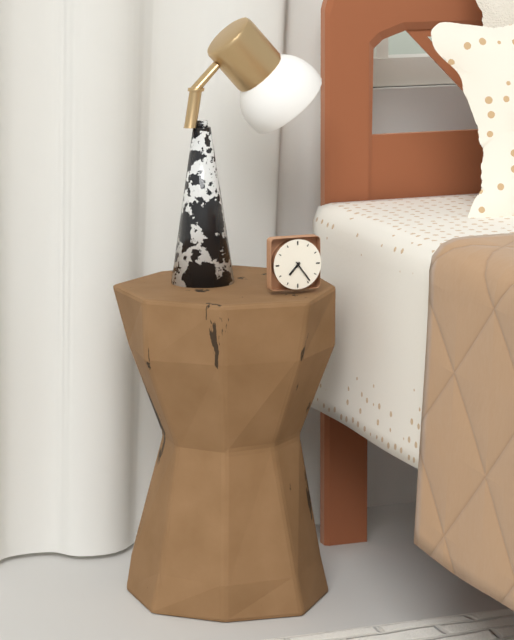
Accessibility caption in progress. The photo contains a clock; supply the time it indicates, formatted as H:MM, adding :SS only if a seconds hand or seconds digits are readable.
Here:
7:24
